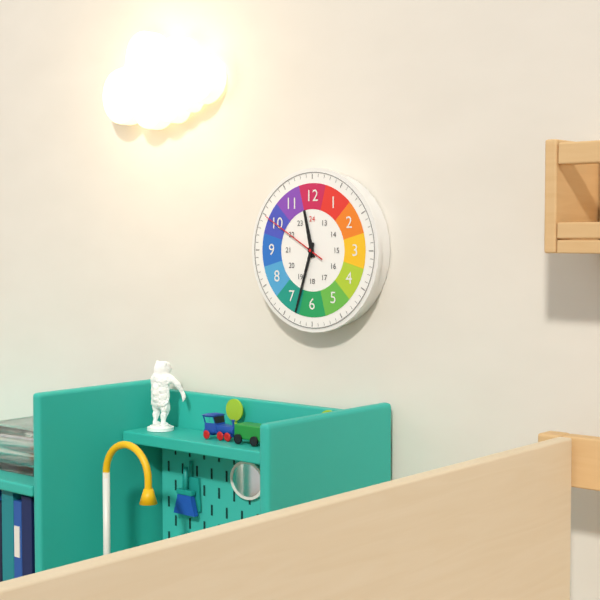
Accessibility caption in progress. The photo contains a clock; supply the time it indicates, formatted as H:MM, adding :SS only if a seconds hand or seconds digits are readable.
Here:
11:33:50
